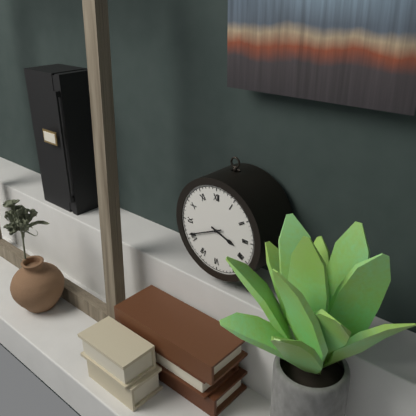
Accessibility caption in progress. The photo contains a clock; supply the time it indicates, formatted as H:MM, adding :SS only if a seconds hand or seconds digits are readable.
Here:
3:41
